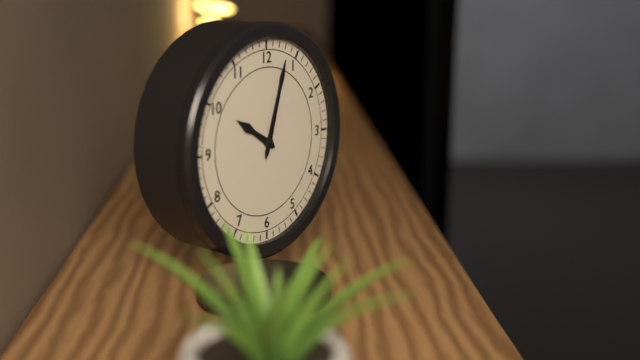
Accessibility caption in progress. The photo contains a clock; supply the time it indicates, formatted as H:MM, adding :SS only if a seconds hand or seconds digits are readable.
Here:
10:03
